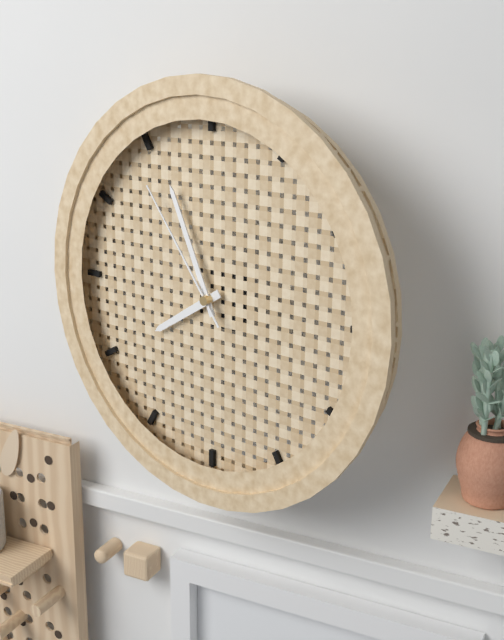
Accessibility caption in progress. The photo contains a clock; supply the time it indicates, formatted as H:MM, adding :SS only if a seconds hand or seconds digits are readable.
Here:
7:56:54
